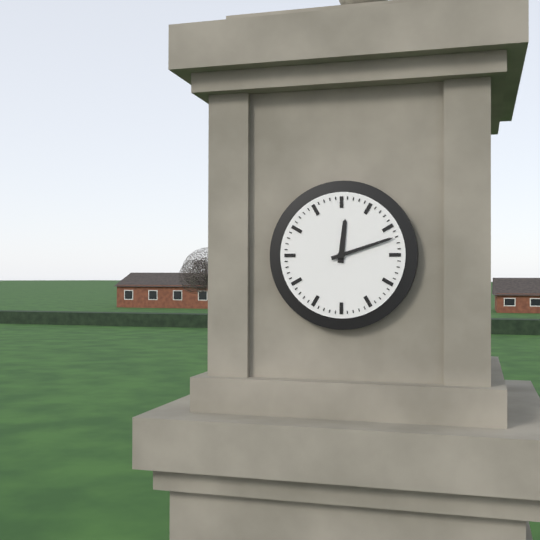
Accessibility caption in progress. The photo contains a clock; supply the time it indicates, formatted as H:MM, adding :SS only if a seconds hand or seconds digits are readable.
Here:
12:12
